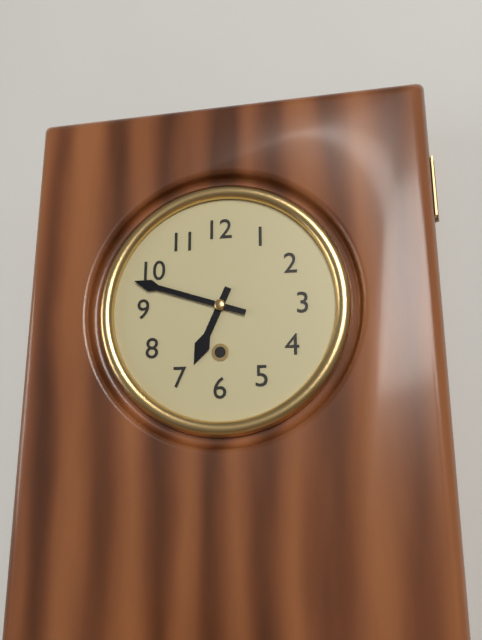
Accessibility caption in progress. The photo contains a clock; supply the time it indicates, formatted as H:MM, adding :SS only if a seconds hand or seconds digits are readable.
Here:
6:48
